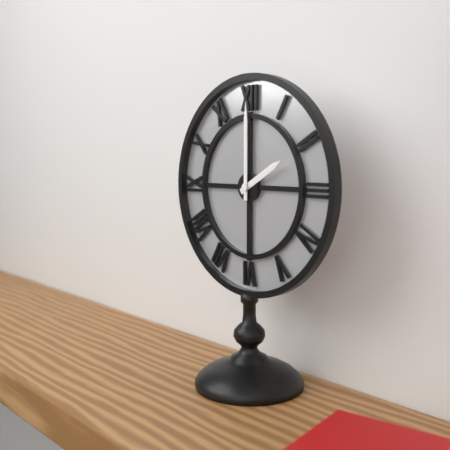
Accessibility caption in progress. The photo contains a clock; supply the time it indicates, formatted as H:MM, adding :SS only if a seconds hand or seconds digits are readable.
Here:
2:00
